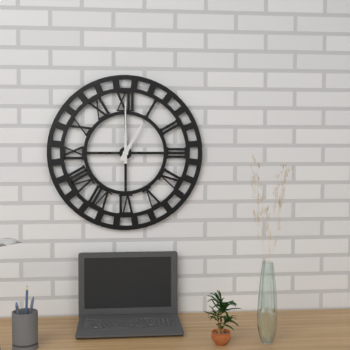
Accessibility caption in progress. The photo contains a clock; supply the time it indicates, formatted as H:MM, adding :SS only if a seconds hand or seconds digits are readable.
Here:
1:00
